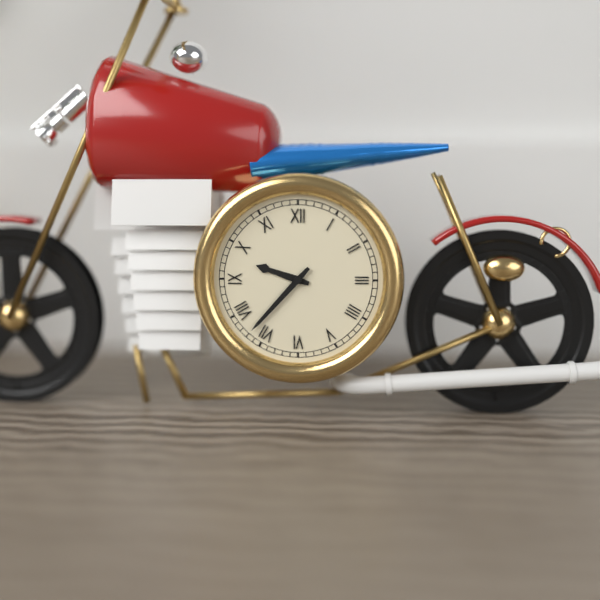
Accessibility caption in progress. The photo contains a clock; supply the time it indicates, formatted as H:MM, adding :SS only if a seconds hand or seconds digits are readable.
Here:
9:37
